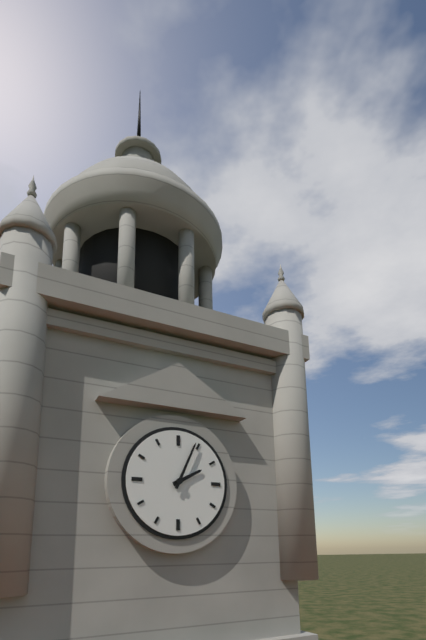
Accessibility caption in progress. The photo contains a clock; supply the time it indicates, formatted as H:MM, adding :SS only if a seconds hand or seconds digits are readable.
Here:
2:04
